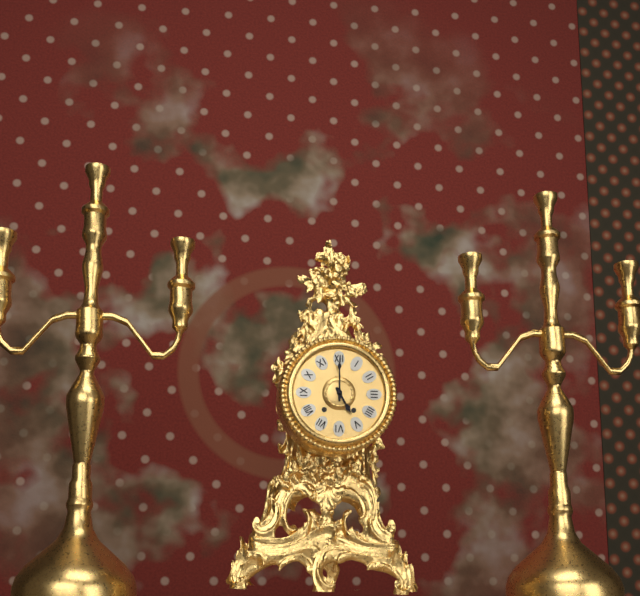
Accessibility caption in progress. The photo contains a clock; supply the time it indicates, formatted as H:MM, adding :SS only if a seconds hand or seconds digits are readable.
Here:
5:00
